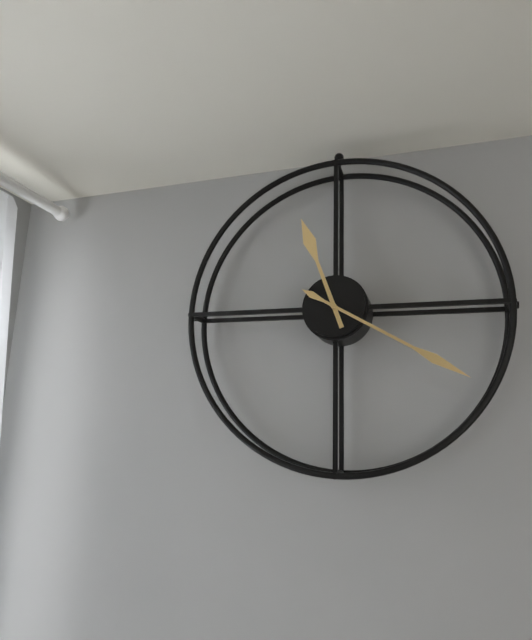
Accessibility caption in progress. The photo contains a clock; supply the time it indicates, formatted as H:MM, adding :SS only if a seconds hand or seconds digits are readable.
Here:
11:20
